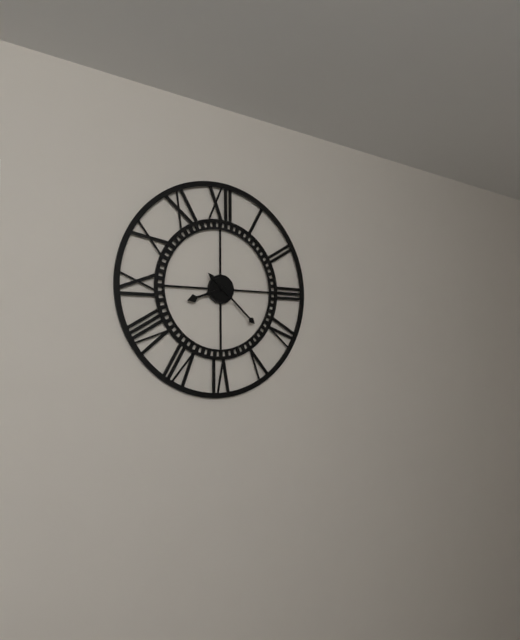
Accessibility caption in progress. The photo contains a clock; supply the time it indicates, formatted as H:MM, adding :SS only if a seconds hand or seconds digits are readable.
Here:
8:22
